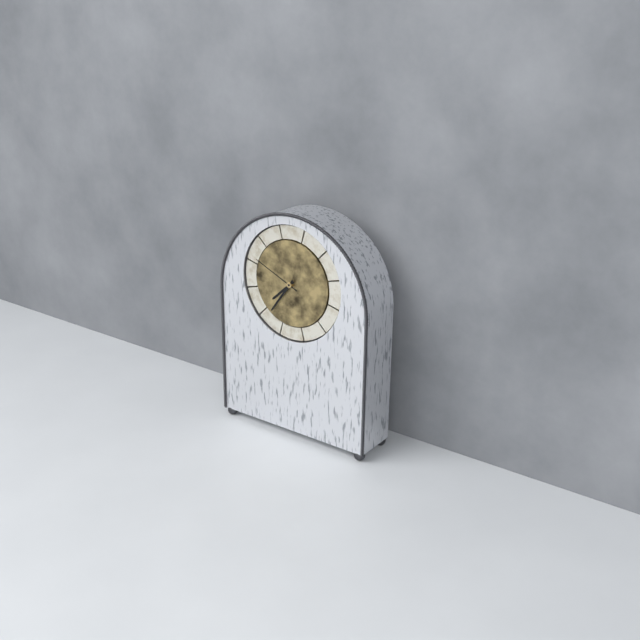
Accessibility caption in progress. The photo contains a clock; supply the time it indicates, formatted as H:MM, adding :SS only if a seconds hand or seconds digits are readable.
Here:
7:36:49
